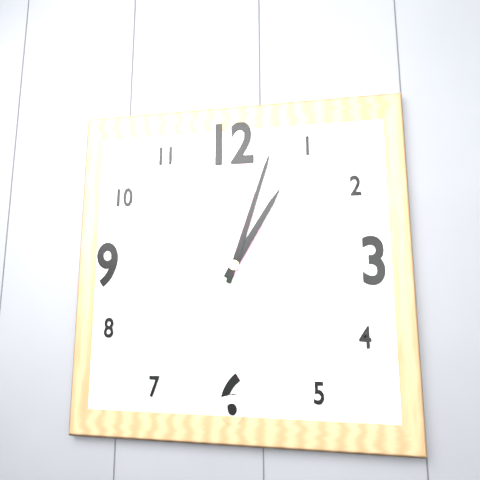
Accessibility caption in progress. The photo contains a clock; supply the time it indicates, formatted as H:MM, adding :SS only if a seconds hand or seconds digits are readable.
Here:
1:03
